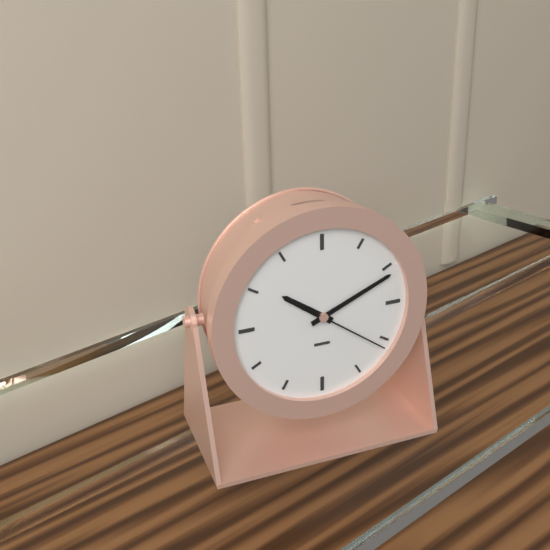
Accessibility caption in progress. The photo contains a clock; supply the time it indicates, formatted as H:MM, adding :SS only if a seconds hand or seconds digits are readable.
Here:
10:11:21
